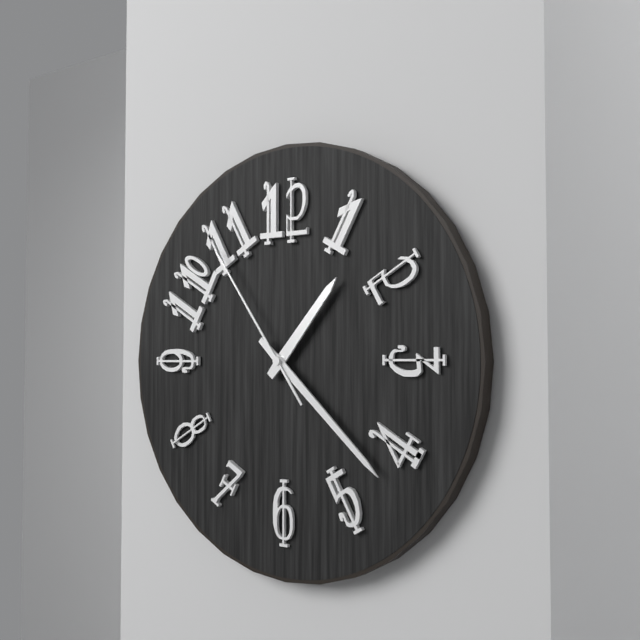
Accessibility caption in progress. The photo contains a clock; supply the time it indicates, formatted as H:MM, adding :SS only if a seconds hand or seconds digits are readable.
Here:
1:22:54
